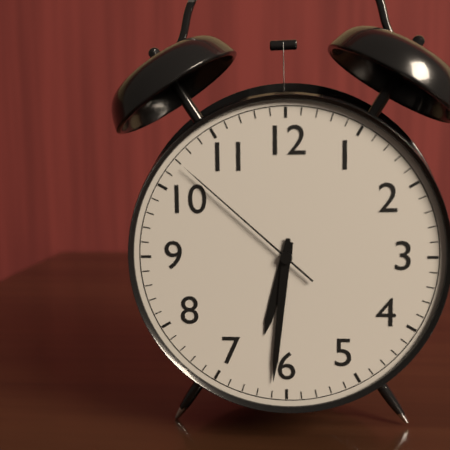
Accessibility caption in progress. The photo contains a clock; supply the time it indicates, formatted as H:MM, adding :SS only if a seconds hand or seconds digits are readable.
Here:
6:31:52
